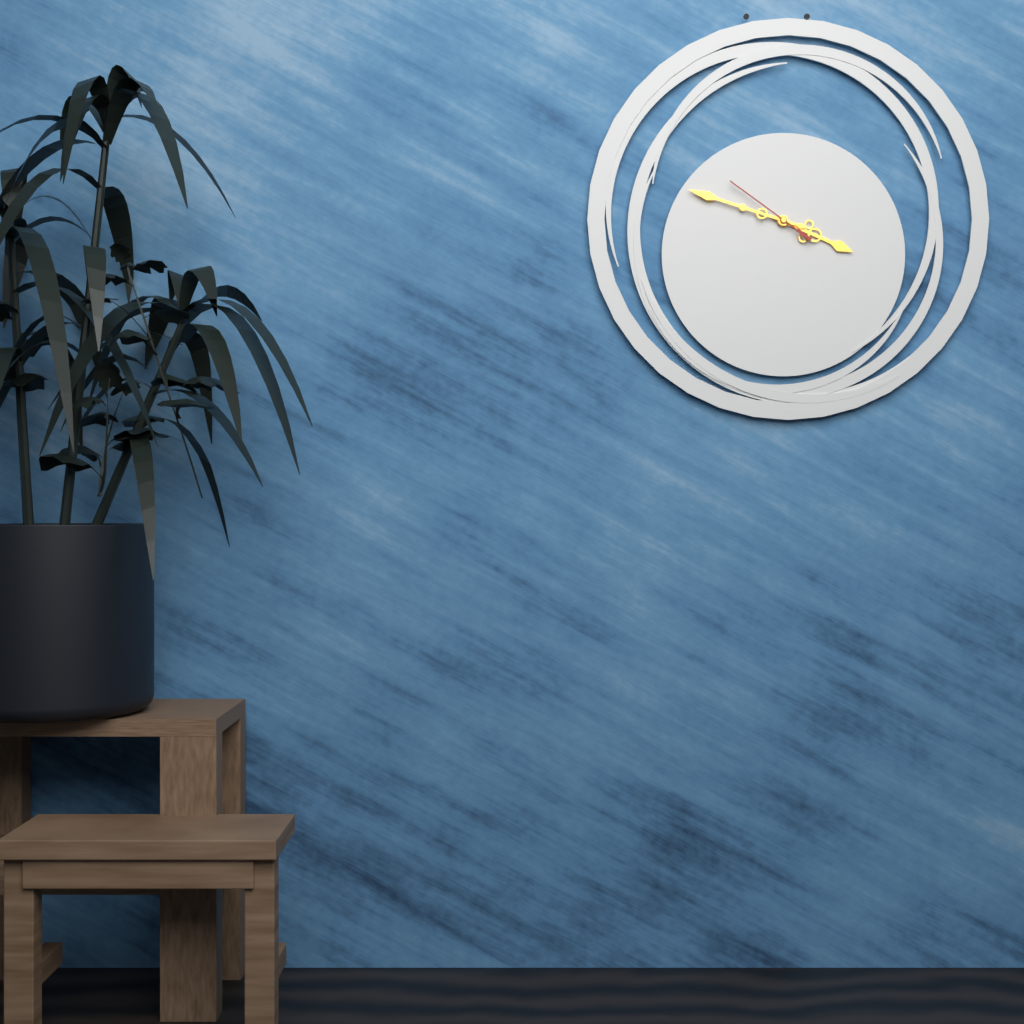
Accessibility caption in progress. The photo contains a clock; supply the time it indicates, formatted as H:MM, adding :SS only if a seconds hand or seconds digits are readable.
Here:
3:48:51
